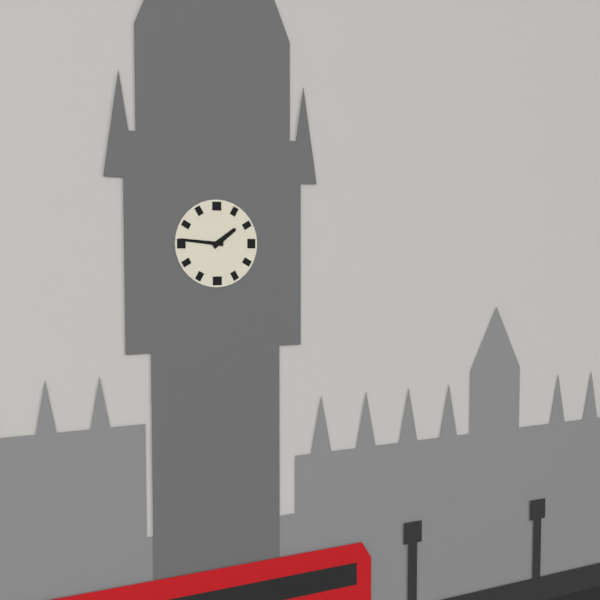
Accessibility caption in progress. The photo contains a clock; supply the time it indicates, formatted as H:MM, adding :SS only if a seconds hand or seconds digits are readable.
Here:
1:46
